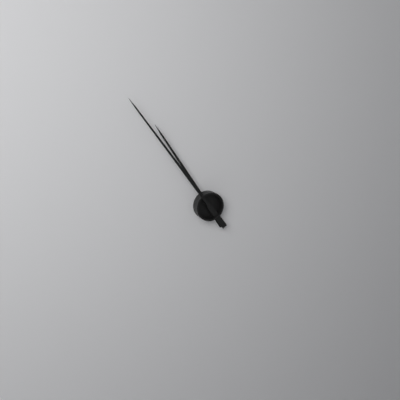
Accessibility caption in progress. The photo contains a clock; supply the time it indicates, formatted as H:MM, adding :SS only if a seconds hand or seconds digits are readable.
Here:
10:54
